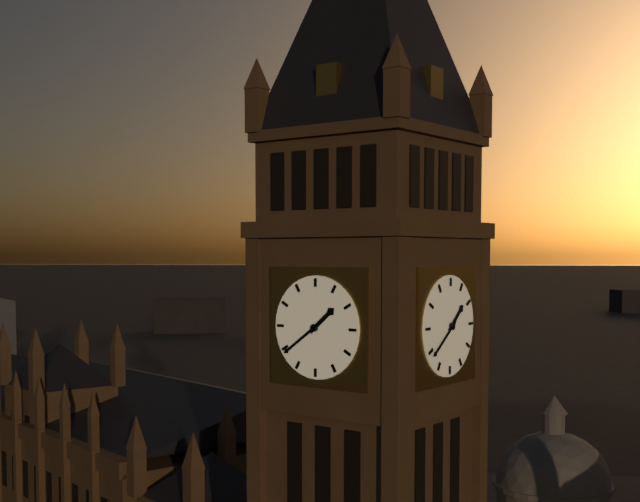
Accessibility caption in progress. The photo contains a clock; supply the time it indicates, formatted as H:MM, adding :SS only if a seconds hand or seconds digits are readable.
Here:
1:39
